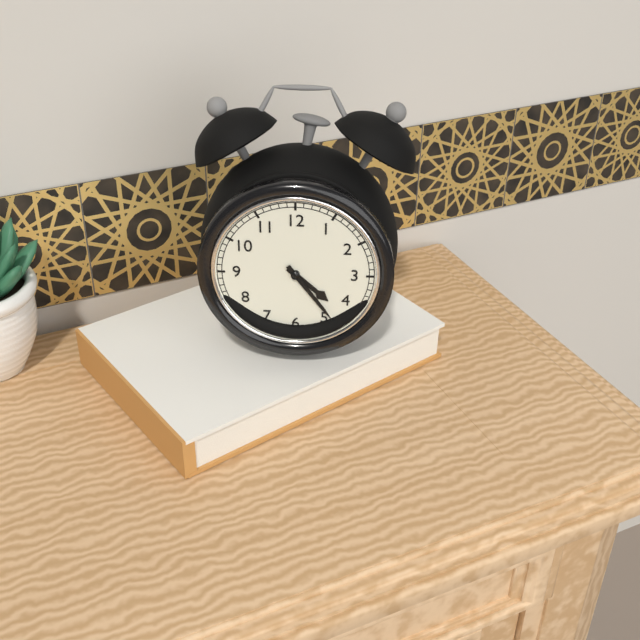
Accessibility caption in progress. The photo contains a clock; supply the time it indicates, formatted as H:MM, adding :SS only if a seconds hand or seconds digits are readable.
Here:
4:24
